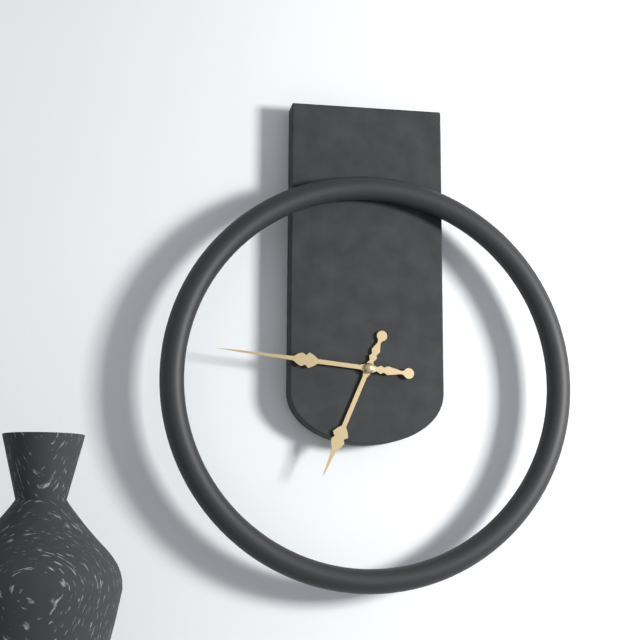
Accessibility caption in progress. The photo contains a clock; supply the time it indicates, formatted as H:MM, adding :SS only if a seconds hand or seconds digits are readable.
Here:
6:46
